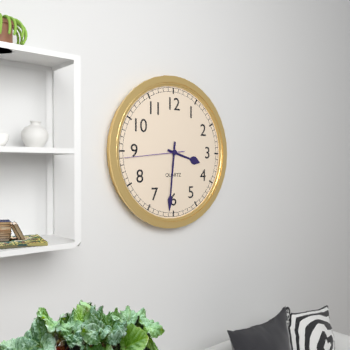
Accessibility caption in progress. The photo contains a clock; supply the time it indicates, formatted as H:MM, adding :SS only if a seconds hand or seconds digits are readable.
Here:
3:31:44
